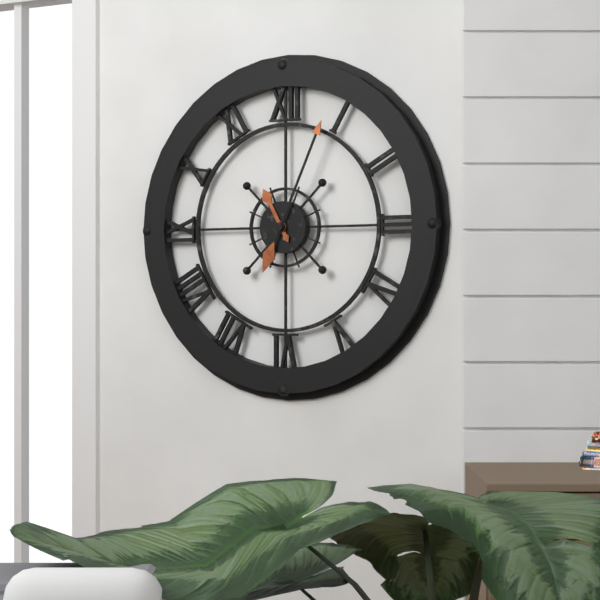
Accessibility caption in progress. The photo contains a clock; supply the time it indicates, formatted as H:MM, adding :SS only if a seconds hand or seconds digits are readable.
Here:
11:04
